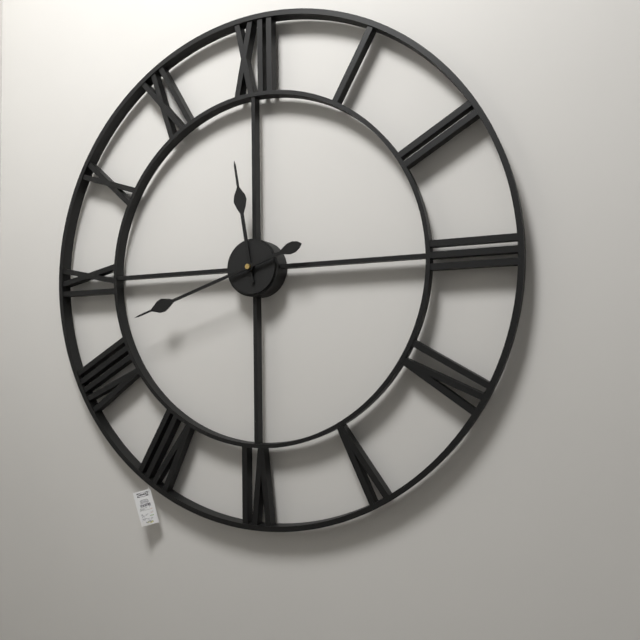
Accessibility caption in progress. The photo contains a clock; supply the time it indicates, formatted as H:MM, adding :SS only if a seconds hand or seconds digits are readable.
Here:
11:42
